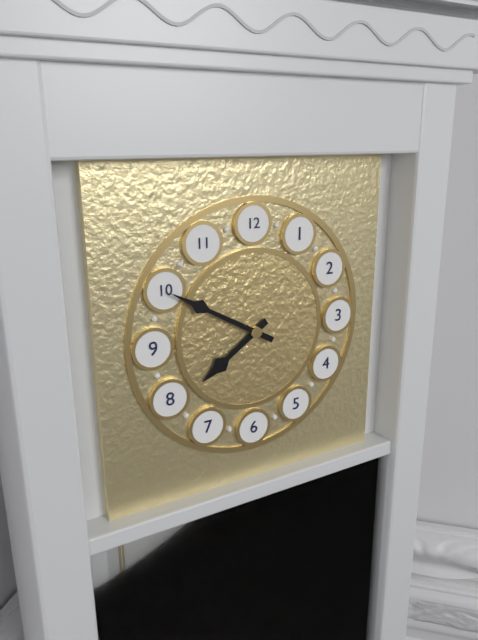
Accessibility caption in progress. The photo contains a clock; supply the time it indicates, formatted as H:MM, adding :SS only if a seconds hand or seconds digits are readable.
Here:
7:50
